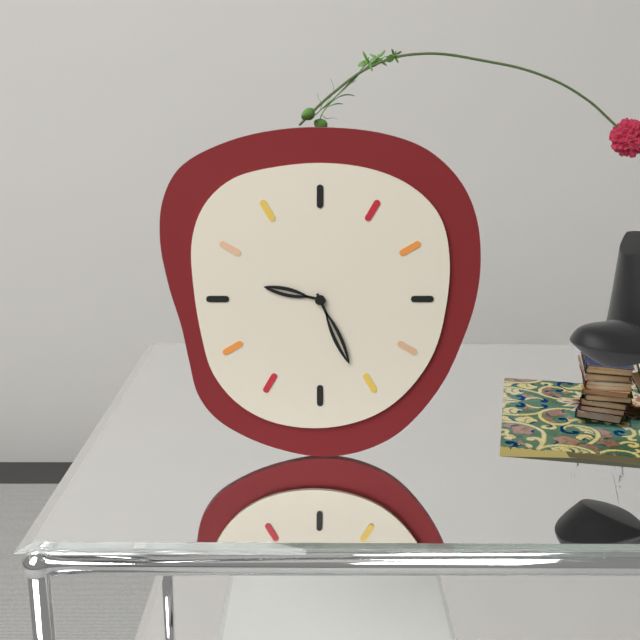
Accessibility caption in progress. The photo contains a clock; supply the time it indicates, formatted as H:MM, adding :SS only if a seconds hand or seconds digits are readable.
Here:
9:26
